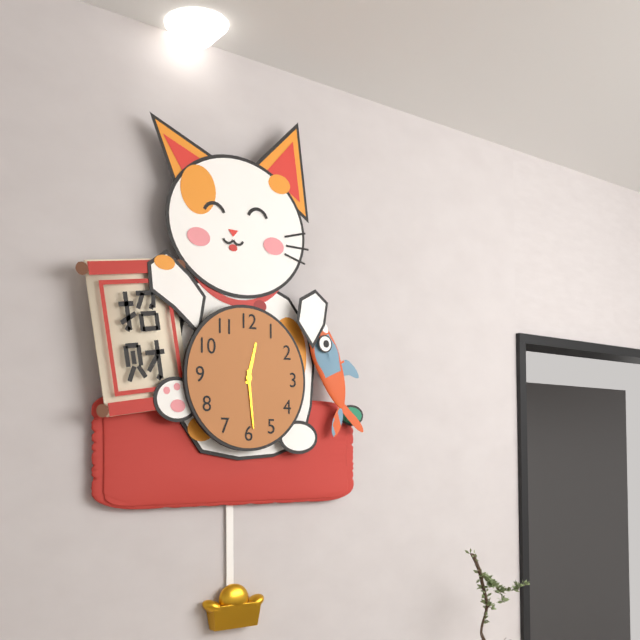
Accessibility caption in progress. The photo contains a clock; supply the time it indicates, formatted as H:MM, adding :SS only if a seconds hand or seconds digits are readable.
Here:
12:29
